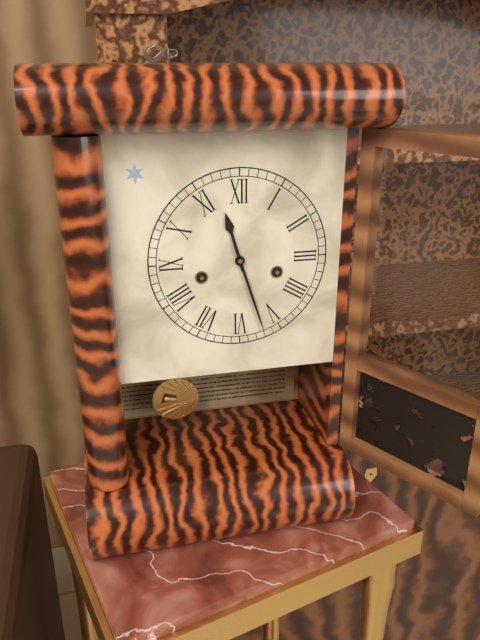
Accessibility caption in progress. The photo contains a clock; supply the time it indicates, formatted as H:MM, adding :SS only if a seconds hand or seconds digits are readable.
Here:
11:27
